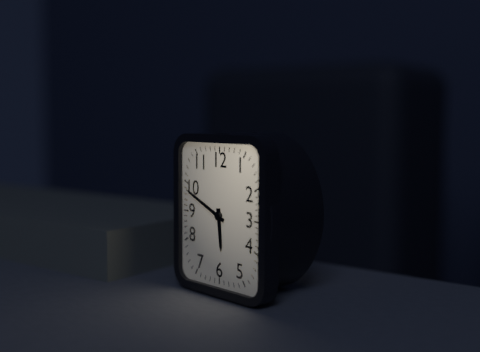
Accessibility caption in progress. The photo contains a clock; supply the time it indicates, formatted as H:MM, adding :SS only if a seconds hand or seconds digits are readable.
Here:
5:49
